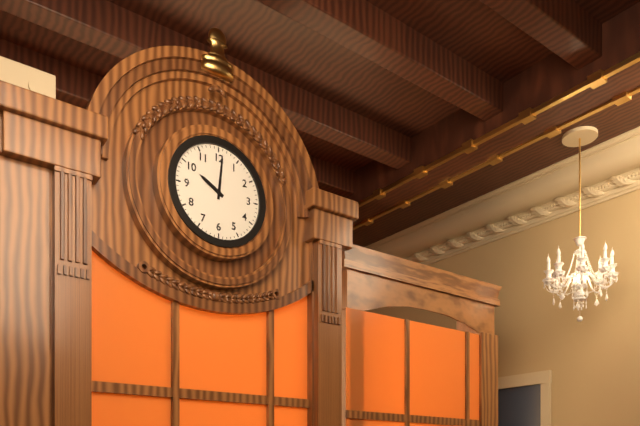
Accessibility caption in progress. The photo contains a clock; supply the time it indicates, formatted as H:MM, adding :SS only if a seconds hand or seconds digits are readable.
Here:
10:01
